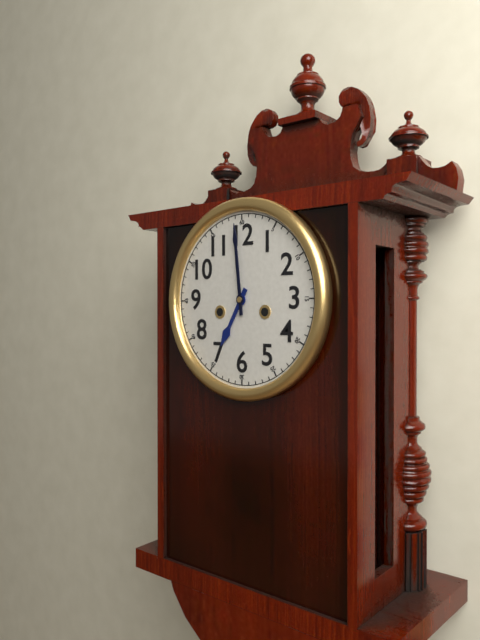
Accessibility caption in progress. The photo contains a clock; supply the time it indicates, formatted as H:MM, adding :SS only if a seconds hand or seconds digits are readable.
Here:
6:59
